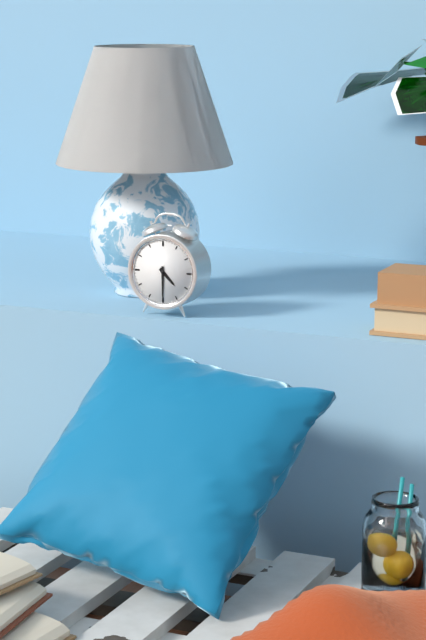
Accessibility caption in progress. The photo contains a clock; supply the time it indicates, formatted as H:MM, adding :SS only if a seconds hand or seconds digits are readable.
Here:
4:30
